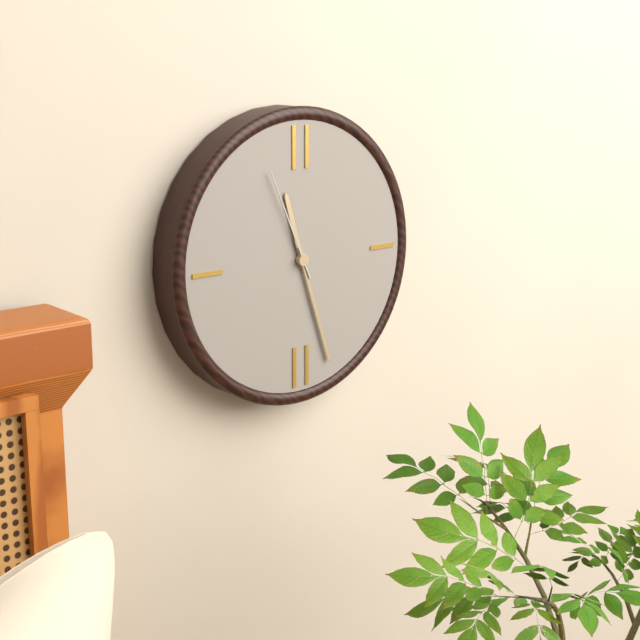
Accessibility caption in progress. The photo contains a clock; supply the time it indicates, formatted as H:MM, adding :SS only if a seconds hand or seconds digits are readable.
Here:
11:27:56
